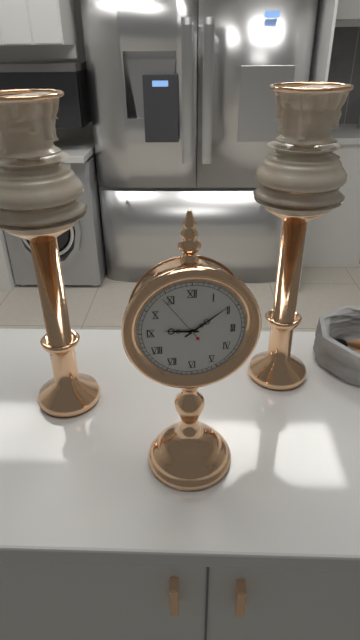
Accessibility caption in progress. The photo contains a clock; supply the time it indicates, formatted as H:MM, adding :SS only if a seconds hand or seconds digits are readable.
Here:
9:09
